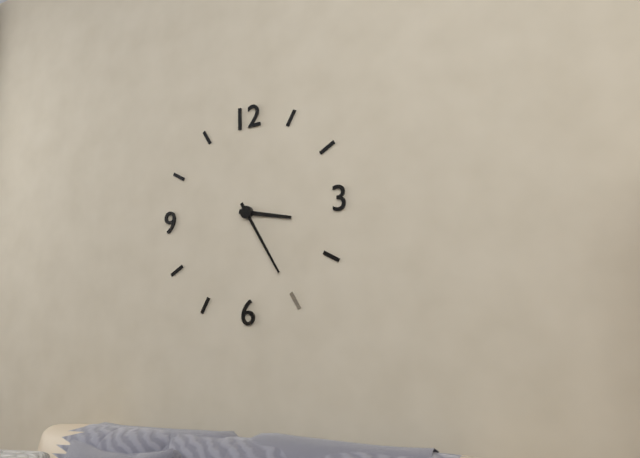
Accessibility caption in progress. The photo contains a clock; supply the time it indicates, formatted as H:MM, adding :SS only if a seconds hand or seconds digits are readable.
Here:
3:25
